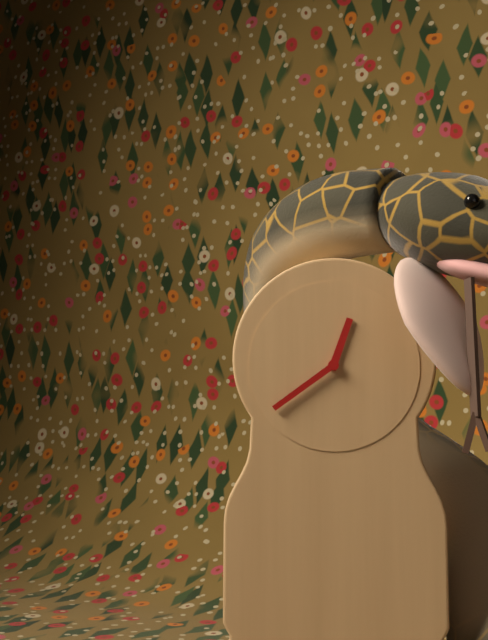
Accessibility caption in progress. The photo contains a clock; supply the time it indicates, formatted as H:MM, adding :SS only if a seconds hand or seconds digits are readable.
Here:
12:39
